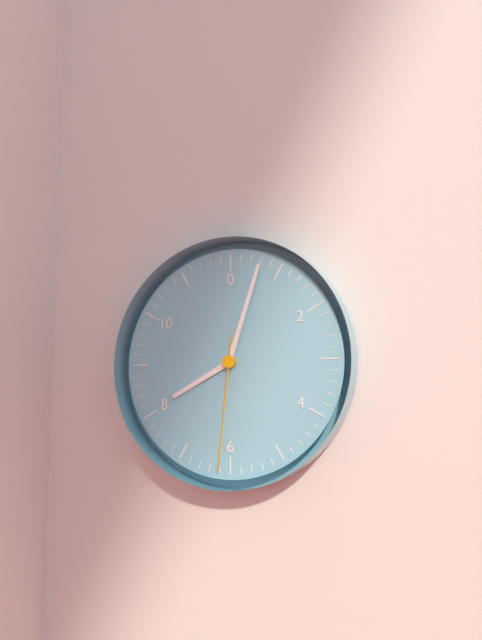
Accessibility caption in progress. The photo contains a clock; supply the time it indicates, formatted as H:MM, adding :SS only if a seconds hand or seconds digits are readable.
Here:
8:03:31
